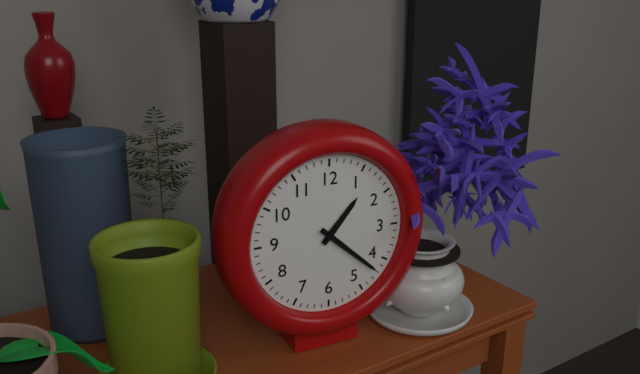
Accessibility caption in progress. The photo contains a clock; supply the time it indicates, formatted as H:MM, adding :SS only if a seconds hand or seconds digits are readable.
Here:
1:22
